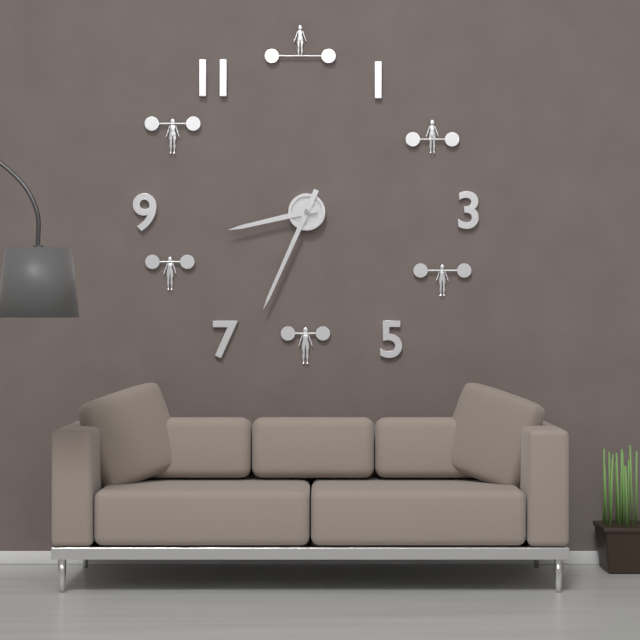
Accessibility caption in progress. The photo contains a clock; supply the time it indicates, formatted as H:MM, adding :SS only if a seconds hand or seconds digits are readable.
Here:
8:34
